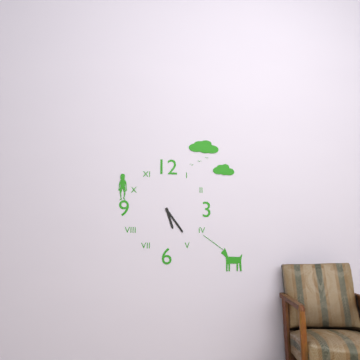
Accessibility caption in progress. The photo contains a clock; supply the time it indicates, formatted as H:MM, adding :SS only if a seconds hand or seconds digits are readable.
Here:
5:24
